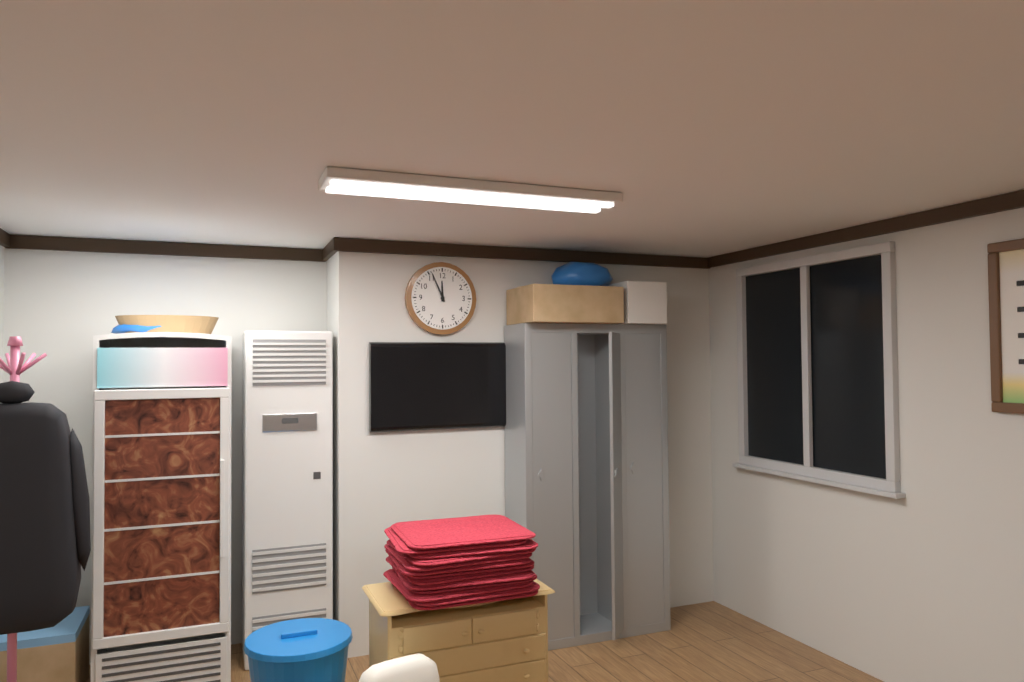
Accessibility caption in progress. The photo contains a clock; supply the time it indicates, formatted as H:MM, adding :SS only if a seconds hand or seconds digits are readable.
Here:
11:56
